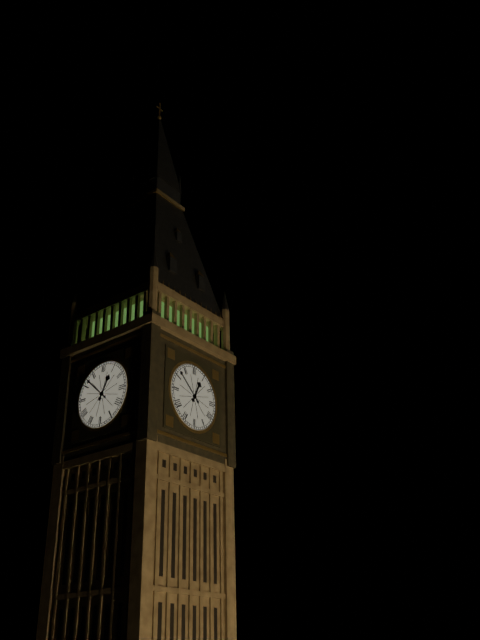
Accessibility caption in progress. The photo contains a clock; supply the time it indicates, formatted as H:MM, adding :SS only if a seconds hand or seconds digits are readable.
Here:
12:52
